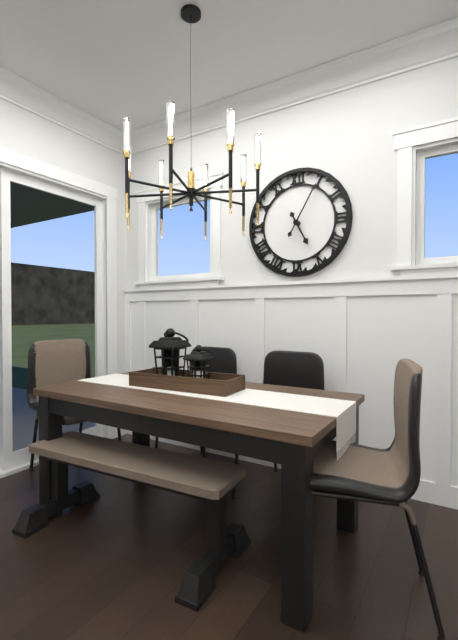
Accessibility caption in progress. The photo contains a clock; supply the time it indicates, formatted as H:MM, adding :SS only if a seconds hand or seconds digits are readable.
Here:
5:05
